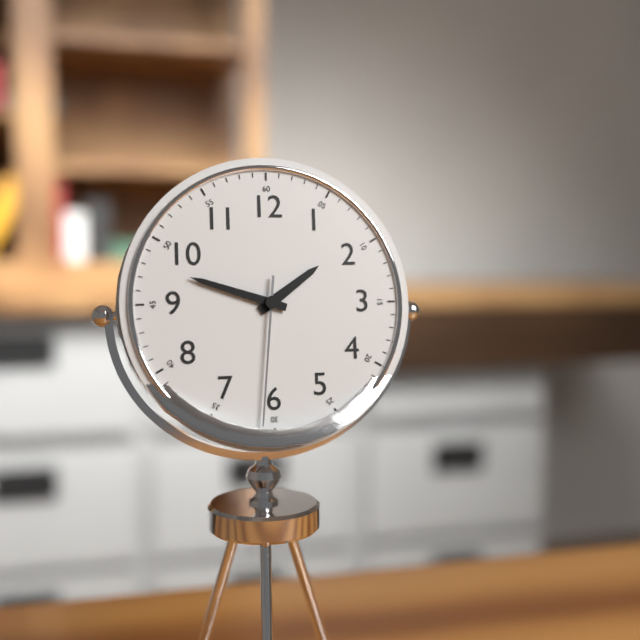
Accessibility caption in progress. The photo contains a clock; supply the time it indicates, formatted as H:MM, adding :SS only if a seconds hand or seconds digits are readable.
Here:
1:48:31
